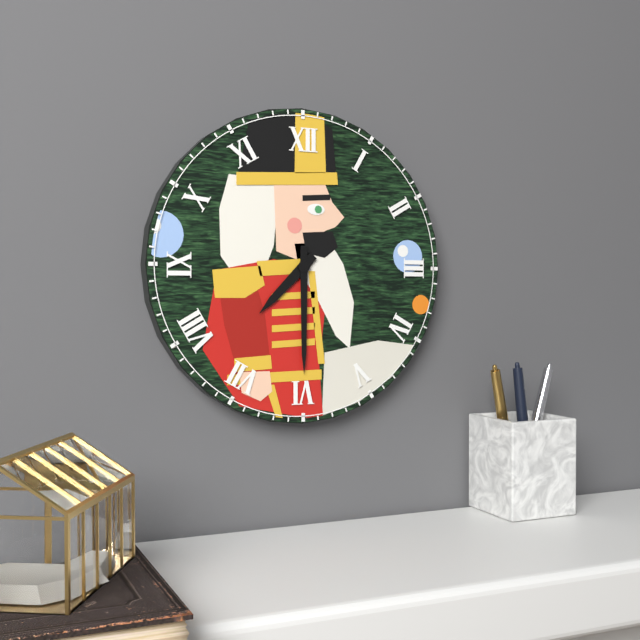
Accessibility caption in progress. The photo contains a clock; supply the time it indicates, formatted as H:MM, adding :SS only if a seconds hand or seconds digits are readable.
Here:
7:30
